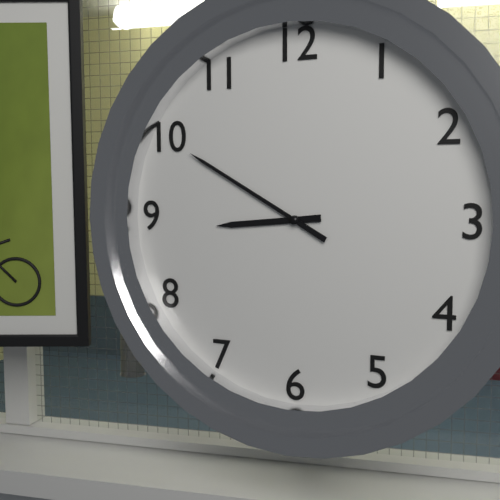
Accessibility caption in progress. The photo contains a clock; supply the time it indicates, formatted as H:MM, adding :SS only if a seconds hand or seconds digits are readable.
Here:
8:50
